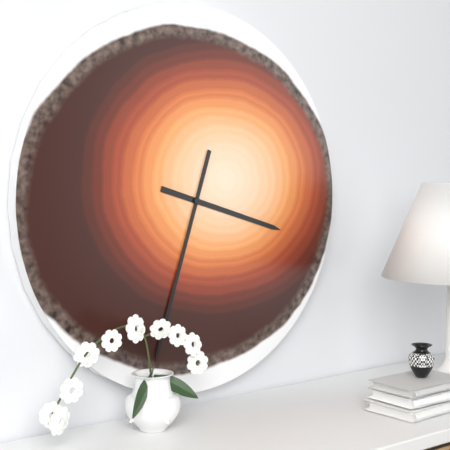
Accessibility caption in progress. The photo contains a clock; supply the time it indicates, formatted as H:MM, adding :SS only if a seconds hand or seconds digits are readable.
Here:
3:33
